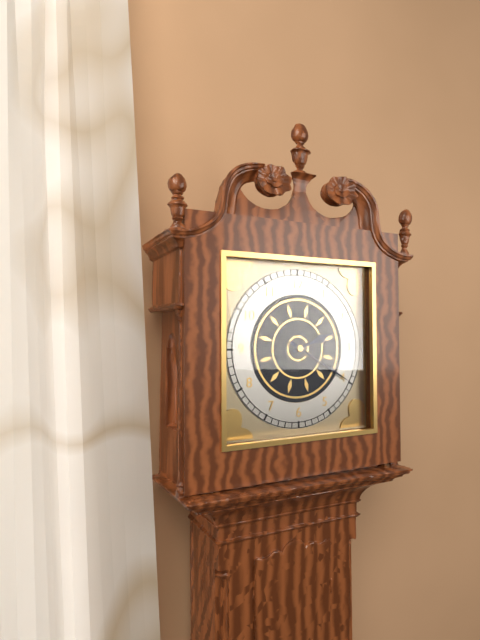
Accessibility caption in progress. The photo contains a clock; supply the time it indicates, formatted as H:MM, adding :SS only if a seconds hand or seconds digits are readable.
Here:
2:20
